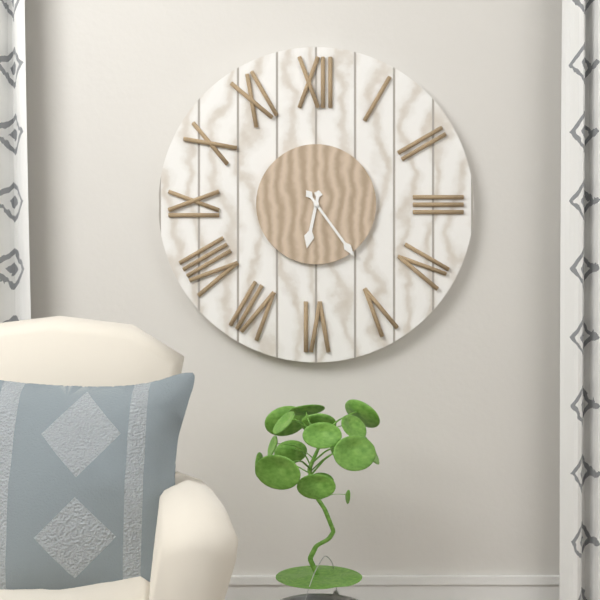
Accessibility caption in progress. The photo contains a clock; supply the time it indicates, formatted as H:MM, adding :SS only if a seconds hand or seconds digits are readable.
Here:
6:24
